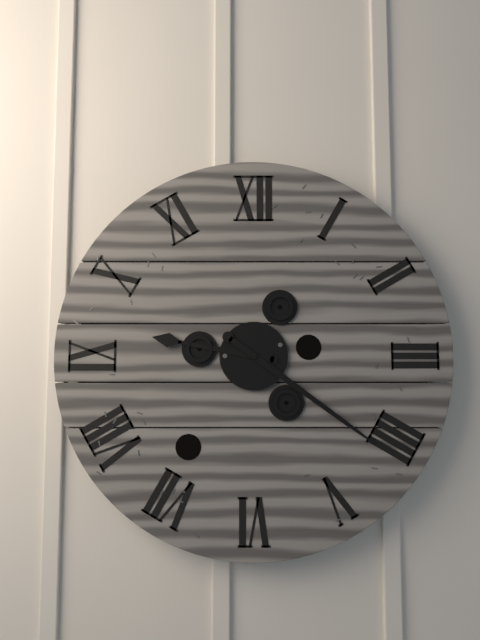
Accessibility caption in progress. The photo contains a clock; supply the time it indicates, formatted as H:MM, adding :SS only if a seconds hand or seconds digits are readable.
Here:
9:21
